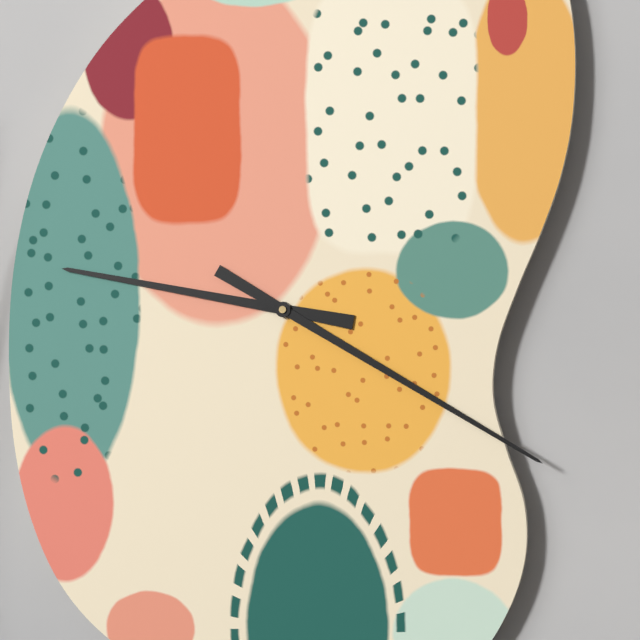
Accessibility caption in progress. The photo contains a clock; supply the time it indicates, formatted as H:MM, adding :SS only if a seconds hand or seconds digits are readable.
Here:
9:20
